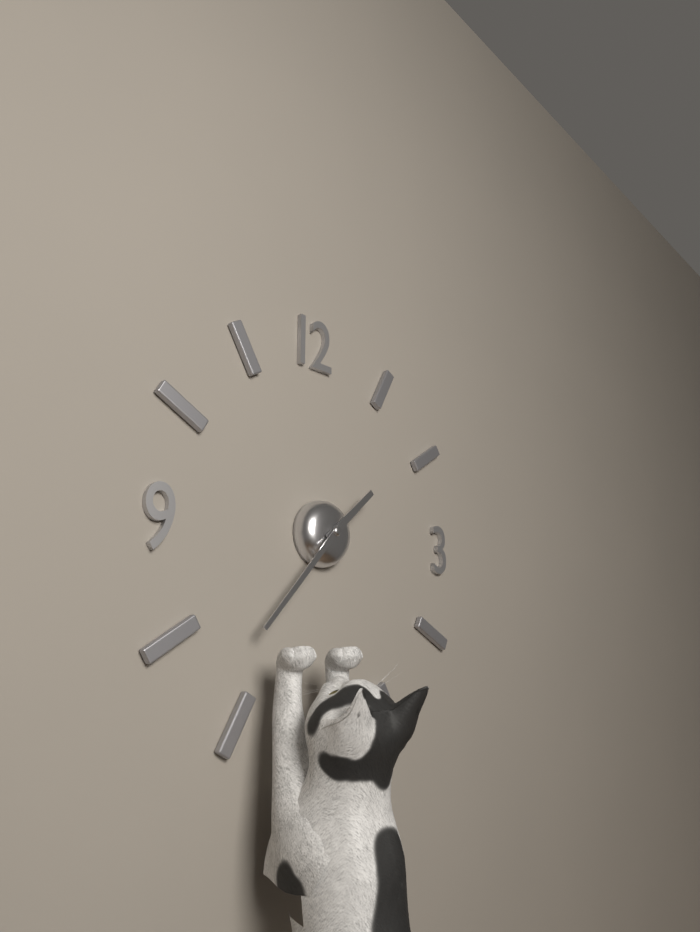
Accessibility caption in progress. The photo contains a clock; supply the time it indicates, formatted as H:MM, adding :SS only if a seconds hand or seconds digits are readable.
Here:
1:37
